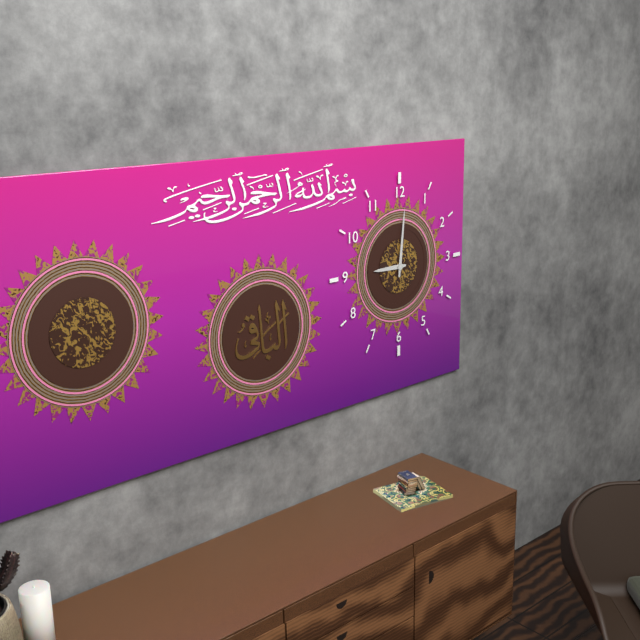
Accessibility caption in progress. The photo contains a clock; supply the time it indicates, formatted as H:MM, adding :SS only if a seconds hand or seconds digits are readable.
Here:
9:01
